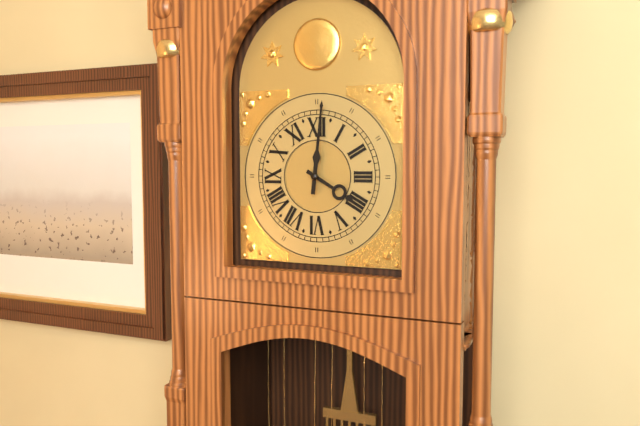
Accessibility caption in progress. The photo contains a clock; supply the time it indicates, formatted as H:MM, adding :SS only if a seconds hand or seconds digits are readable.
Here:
4:01
